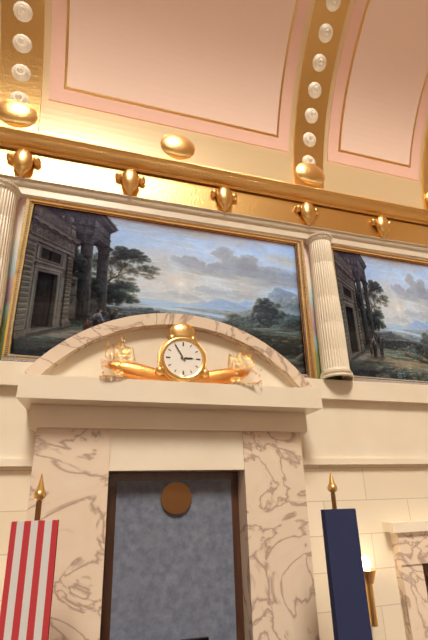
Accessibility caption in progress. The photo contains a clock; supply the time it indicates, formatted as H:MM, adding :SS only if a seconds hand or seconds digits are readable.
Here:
2:55
